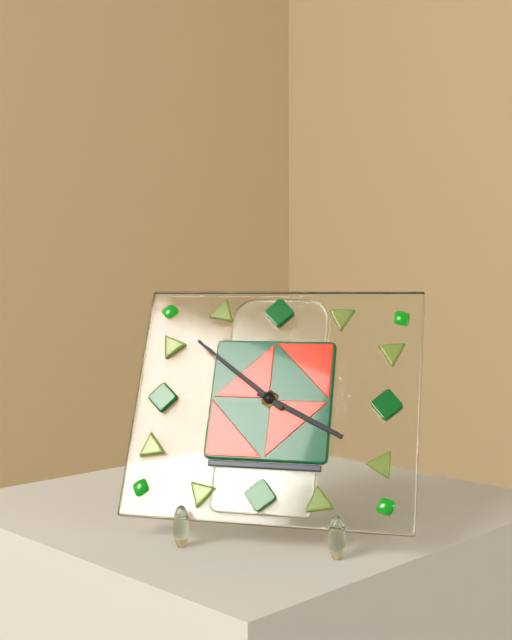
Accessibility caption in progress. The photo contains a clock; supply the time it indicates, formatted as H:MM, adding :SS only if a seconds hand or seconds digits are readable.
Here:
3:51
